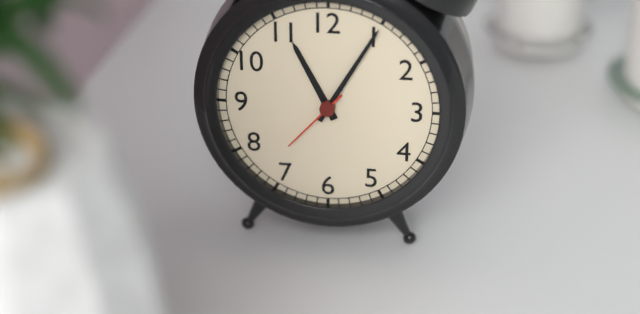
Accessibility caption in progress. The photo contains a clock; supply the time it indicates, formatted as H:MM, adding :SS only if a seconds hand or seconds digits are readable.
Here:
11:05:37
